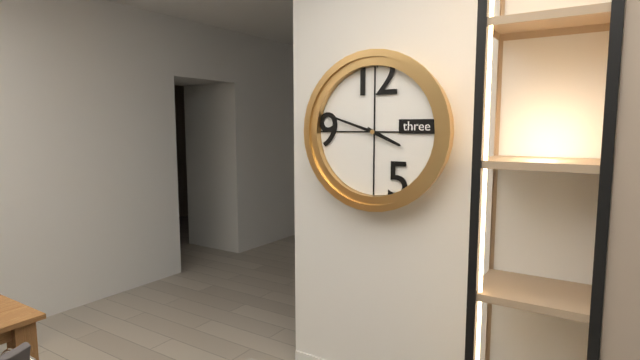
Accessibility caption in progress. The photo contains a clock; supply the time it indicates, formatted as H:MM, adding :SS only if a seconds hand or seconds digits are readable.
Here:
3:48
